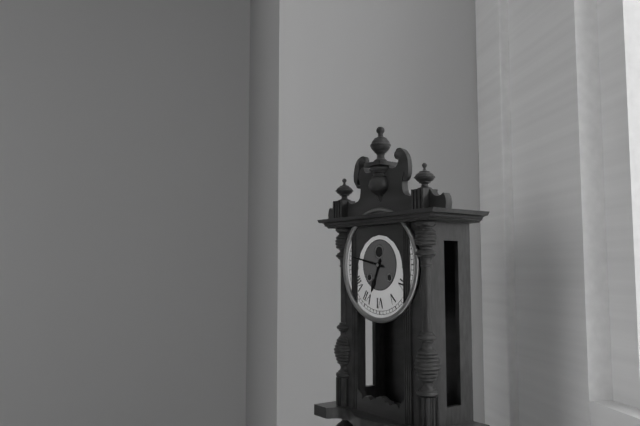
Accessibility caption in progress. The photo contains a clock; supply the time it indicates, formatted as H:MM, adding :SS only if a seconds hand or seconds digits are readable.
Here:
6:47
